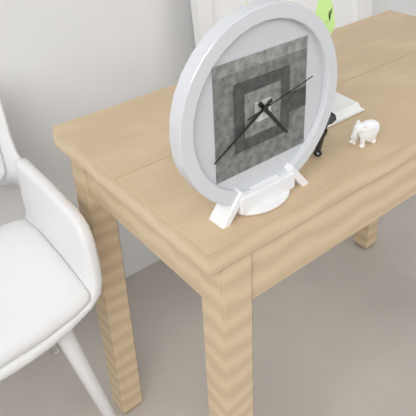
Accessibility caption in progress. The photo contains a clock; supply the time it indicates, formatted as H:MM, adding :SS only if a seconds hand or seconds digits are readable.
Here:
4:40:13
